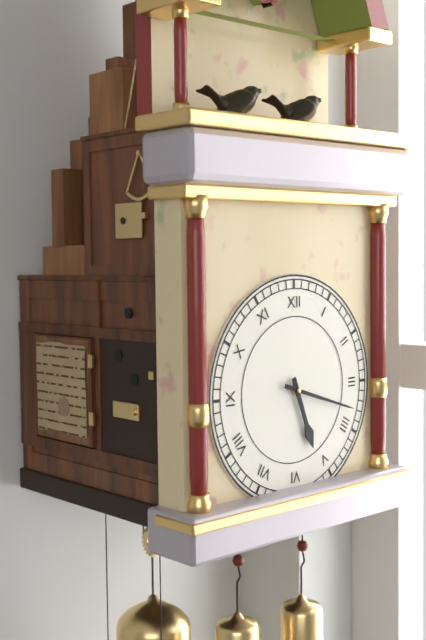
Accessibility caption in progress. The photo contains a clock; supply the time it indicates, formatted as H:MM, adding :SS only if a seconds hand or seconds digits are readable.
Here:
5:18
